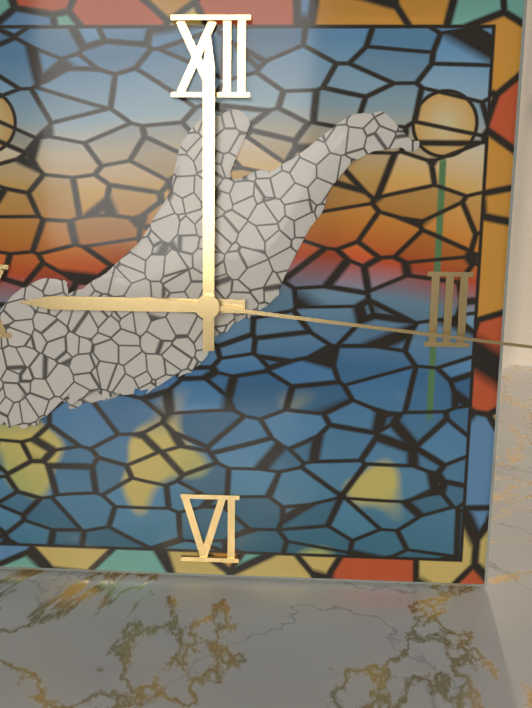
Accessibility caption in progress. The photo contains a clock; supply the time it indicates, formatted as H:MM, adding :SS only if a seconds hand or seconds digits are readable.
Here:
9:00
